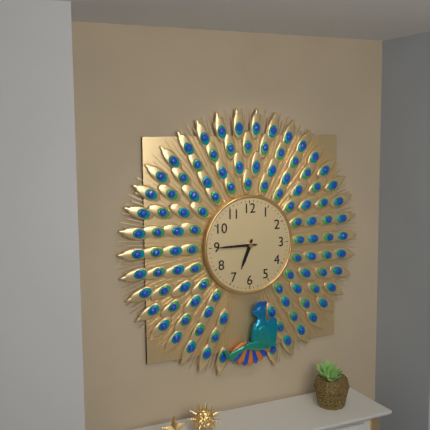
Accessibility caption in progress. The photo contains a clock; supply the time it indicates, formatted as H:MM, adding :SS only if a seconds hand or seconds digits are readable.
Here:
6:45
